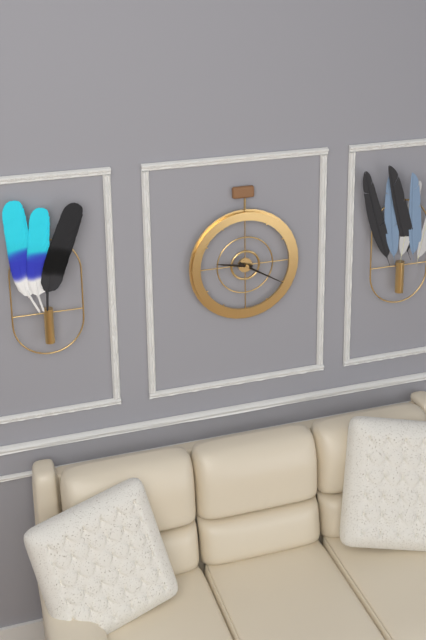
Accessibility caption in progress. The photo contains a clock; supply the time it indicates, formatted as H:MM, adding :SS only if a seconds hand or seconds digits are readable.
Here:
9:20
